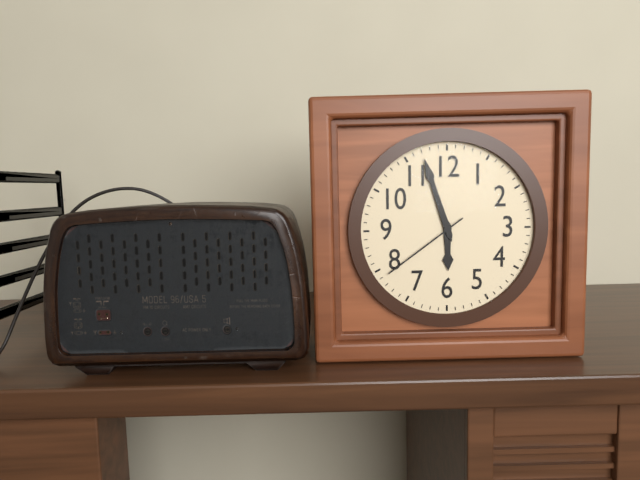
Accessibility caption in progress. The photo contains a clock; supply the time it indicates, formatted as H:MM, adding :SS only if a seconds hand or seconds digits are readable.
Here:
5:57:39
